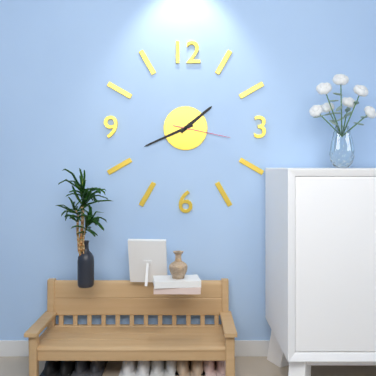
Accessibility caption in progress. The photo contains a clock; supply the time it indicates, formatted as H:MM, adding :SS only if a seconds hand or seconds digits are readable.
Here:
1:41:17
